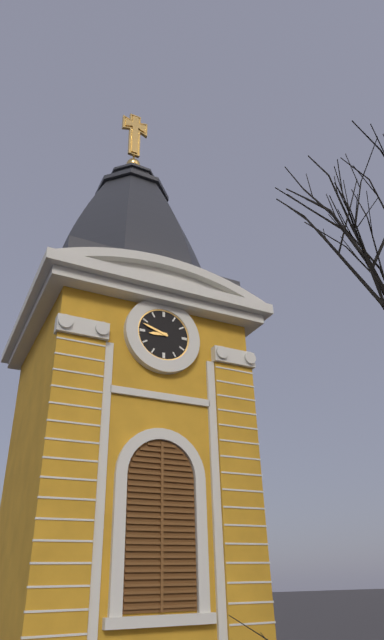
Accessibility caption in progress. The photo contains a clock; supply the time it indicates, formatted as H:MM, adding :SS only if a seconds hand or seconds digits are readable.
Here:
8:48
